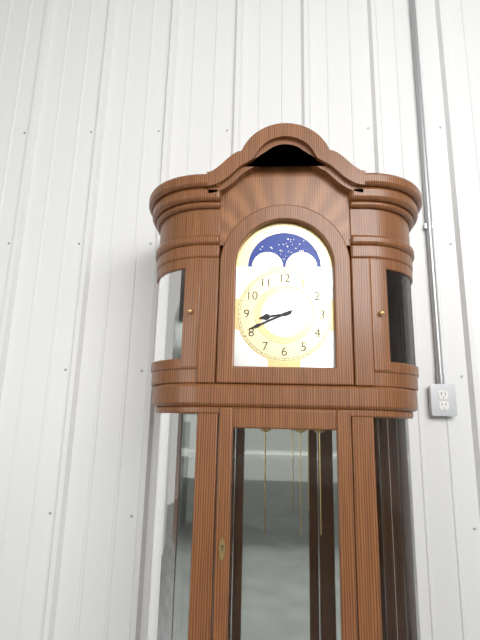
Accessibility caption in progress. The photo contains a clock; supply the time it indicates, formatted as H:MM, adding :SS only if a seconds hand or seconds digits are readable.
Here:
8:41
